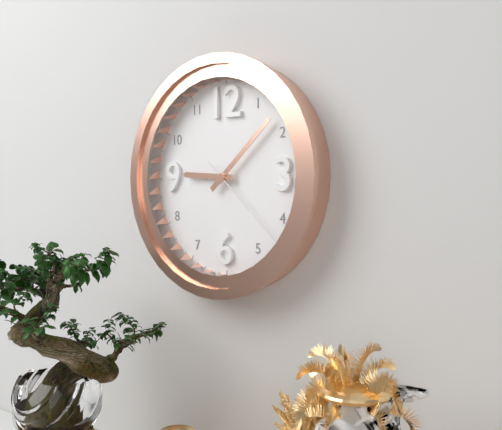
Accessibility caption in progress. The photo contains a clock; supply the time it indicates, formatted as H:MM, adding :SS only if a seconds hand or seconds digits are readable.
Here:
9:08:22
